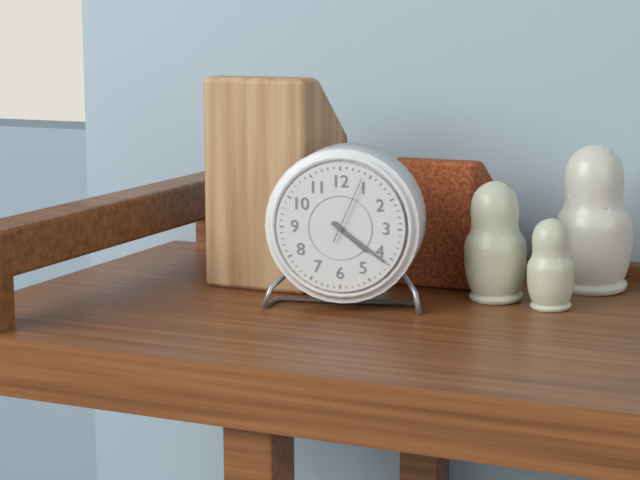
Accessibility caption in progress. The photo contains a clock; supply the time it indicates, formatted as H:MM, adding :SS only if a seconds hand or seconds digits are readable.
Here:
4:21:04
